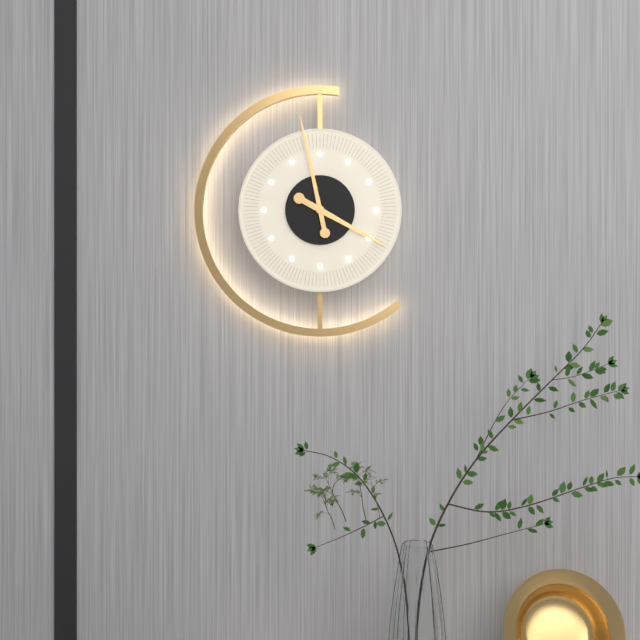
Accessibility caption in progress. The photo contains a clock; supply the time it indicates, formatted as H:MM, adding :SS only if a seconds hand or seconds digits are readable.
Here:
3:58
